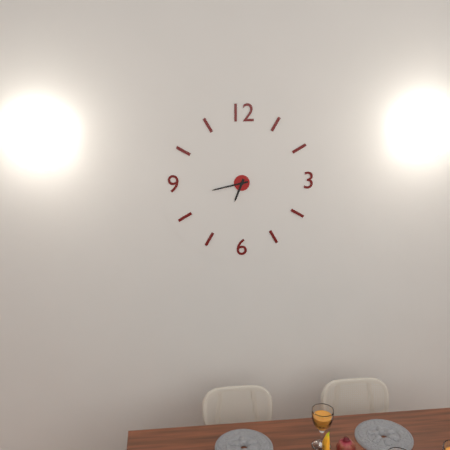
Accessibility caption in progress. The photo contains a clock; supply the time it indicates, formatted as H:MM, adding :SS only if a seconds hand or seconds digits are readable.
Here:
6:43
